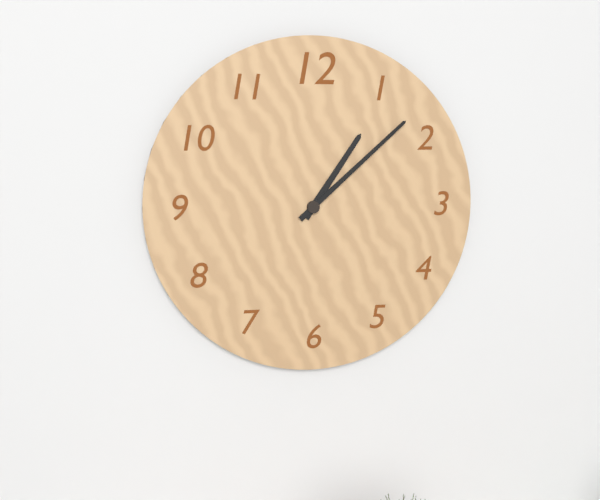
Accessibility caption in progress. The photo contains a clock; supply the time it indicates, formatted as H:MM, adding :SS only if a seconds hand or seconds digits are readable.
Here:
1:08
